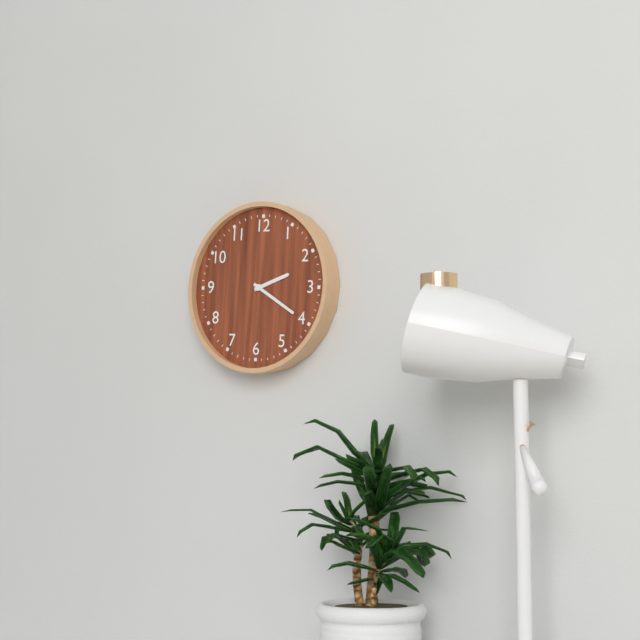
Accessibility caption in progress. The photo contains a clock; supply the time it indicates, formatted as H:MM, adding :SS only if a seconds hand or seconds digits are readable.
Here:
2:20
